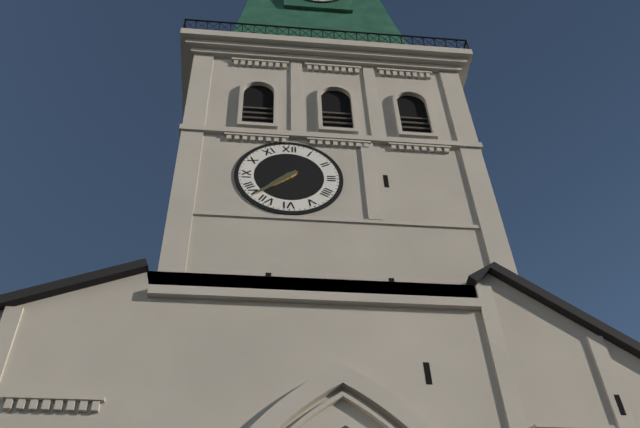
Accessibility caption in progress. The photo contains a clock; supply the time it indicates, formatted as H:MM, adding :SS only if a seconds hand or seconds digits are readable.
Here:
7:38
